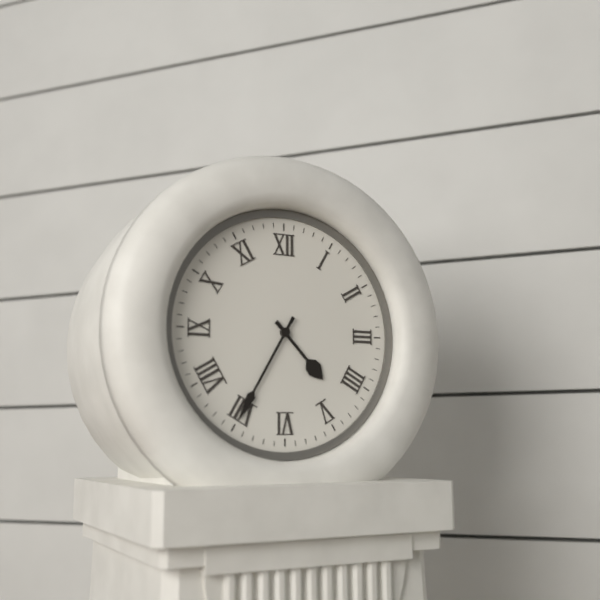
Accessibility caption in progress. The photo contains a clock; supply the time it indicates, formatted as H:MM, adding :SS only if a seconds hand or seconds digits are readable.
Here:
4:35
